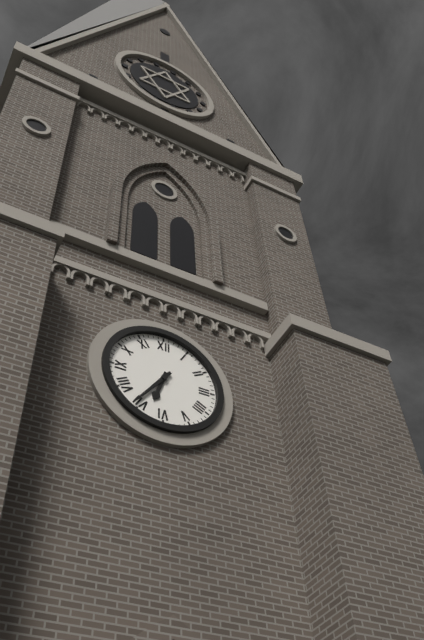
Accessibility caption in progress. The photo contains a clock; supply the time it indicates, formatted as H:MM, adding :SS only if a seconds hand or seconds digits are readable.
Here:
6:36
